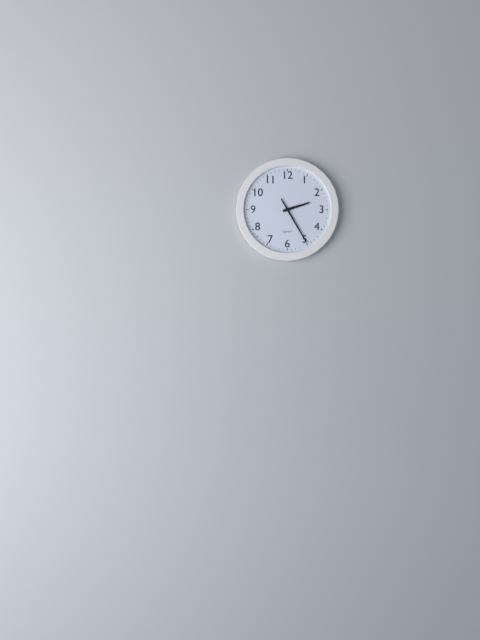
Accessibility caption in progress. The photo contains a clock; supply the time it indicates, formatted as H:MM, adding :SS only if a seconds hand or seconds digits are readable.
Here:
2:25
